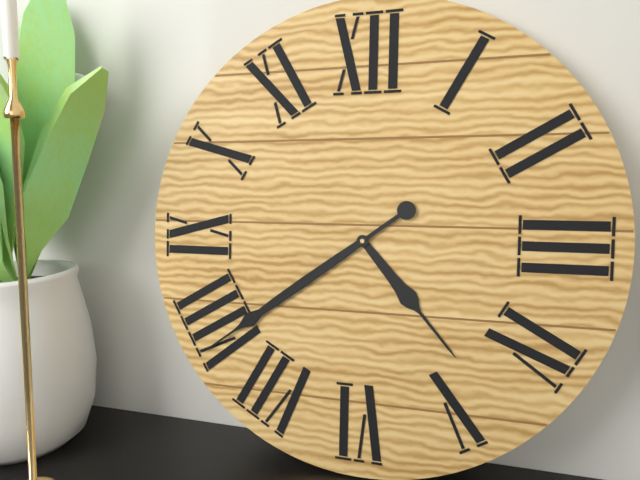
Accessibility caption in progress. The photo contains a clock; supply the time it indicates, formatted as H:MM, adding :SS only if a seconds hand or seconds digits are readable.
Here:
4:39
